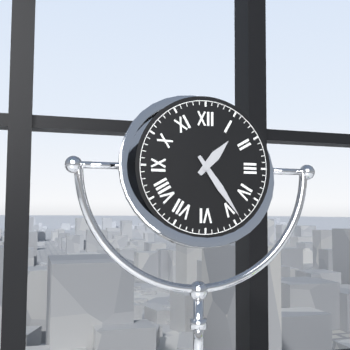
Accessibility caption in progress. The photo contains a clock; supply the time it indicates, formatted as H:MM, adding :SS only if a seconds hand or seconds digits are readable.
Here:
1:24
